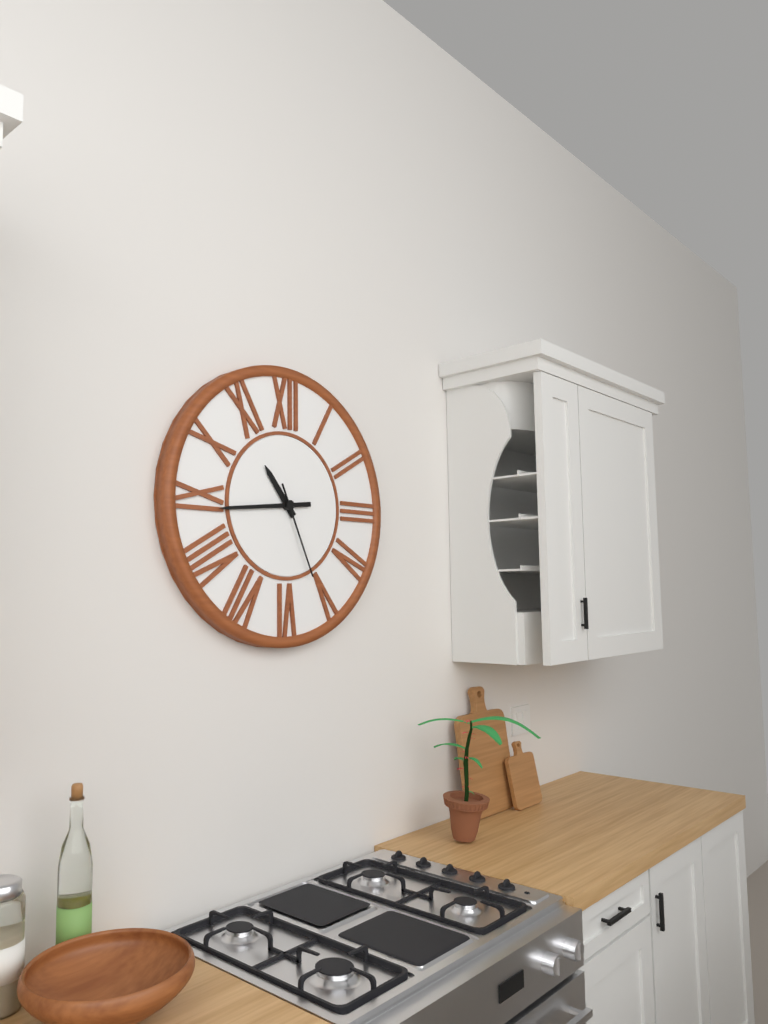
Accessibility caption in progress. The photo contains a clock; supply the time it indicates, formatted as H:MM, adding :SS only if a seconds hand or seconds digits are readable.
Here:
10:44:26
